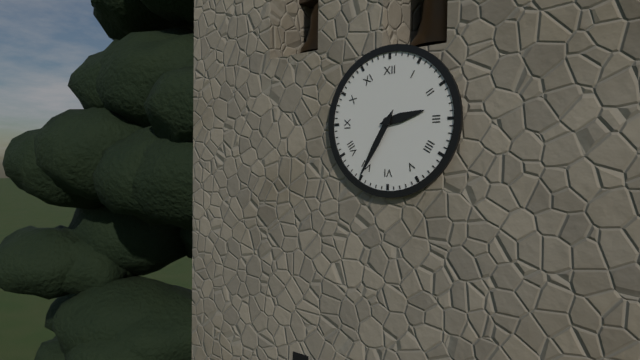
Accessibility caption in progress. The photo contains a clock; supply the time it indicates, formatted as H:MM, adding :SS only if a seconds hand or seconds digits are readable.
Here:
2:35
